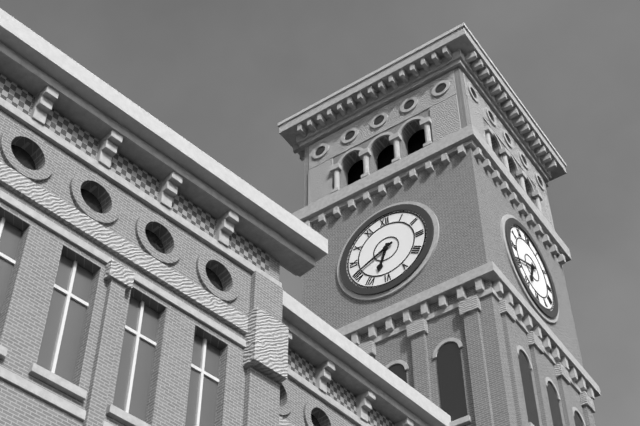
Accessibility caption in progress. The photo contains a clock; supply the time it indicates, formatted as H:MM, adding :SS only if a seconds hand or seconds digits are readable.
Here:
6:41
